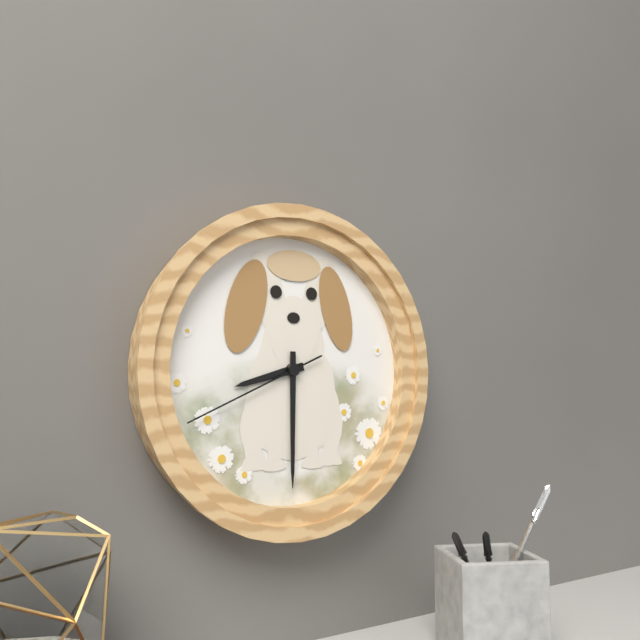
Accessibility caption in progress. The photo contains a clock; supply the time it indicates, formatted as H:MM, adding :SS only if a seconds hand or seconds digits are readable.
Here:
8:30:41
